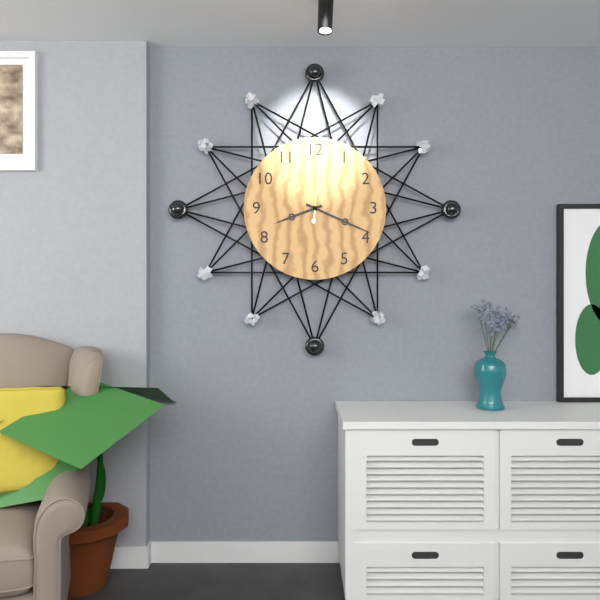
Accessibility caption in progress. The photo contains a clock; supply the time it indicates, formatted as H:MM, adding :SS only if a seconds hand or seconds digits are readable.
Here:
8:19:01
